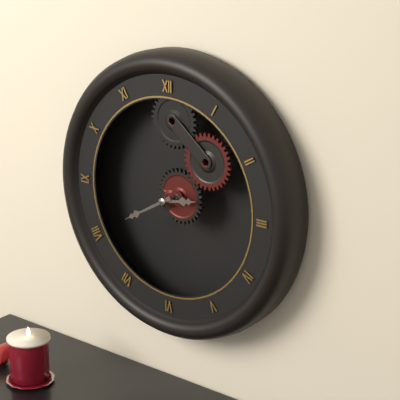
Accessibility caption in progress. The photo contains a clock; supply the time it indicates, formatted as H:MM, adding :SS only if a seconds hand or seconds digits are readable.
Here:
2:40
